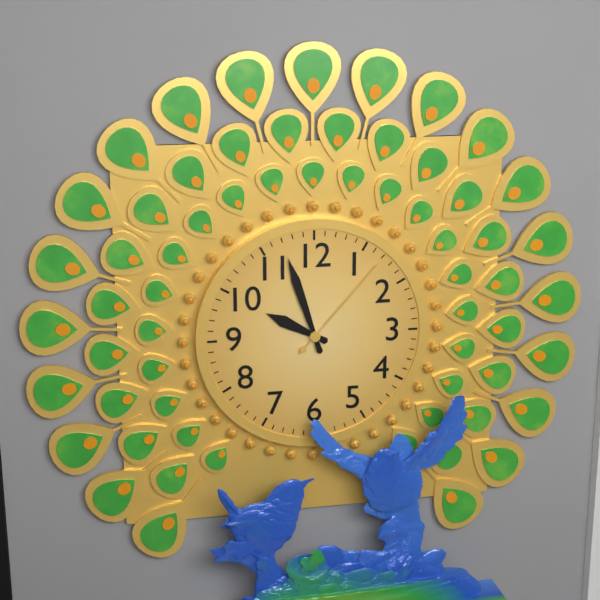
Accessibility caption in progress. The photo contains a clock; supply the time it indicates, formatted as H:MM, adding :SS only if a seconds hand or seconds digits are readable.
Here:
9:57:07
